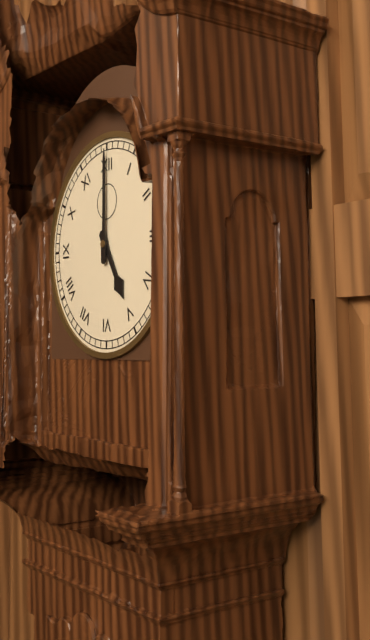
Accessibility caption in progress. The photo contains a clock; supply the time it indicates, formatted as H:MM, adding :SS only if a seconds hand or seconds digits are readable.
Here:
5:00
